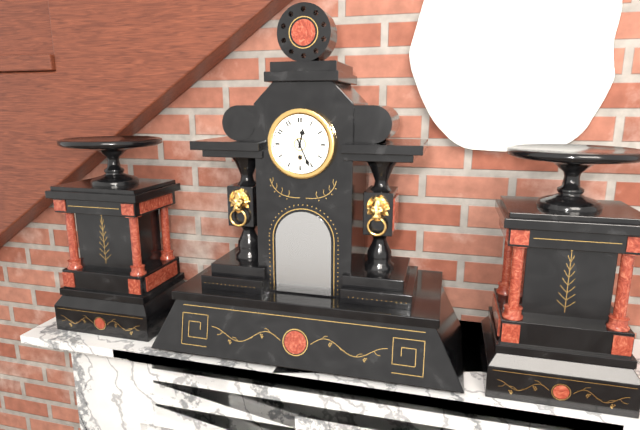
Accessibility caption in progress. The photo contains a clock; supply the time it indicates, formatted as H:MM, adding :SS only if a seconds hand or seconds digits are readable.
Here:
12:26
